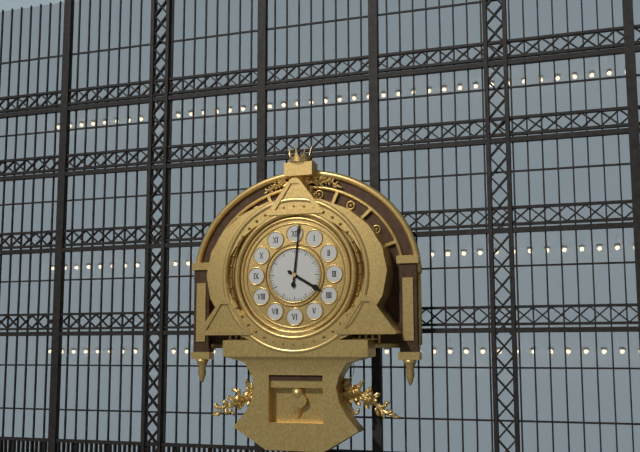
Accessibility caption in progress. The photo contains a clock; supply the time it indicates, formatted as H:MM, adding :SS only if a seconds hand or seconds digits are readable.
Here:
4:01
